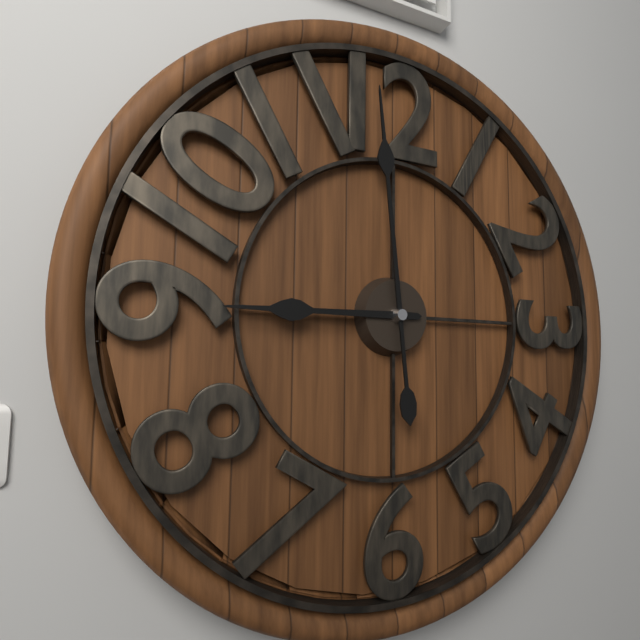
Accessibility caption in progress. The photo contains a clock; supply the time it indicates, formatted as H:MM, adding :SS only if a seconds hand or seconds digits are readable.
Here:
8:59
